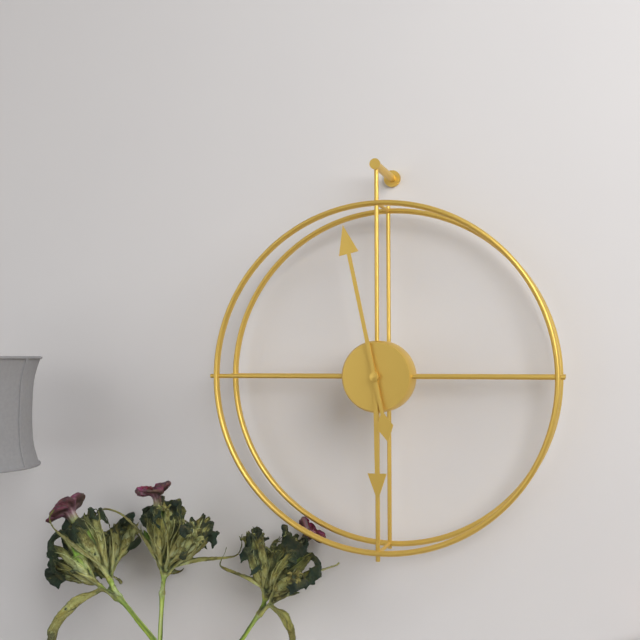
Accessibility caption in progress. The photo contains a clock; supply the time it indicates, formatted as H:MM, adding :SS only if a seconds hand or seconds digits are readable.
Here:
5:58
